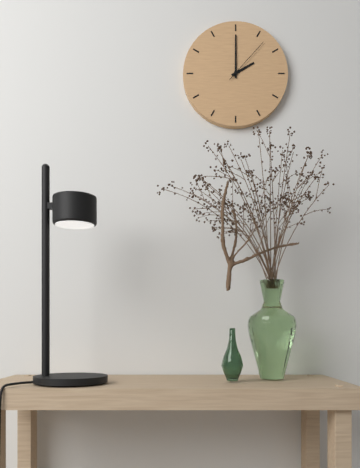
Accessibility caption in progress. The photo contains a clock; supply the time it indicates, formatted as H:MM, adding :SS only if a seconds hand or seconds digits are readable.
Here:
2:00:07
